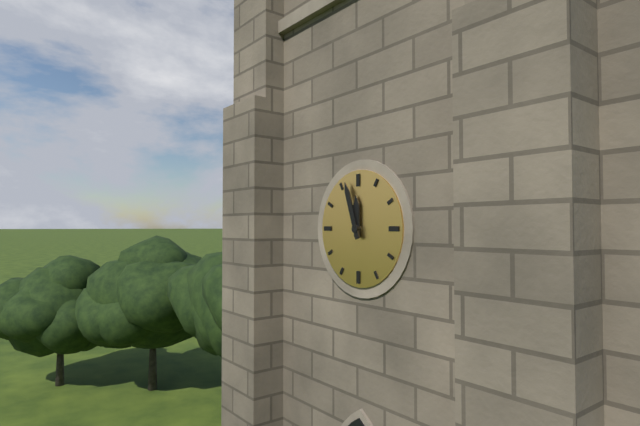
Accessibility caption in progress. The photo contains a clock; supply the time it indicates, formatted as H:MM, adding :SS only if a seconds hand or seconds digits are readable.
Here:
11:57
